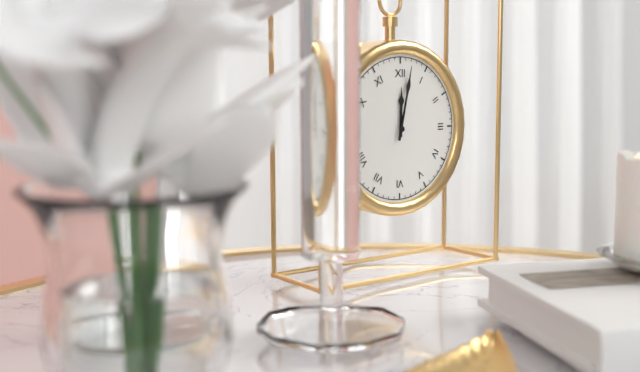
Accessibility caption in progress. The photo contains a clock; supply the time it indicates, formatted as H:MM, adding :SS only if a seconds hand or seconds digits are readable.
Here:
12:02
